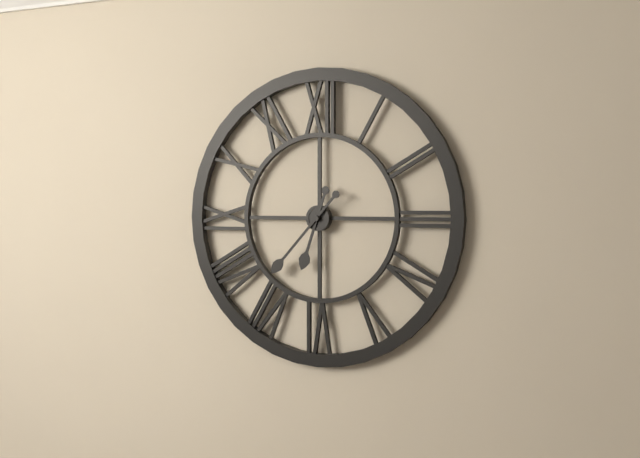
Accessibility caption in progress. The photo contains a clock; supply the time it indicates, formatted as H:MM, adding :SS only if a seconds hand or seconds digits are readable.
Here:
6:37
